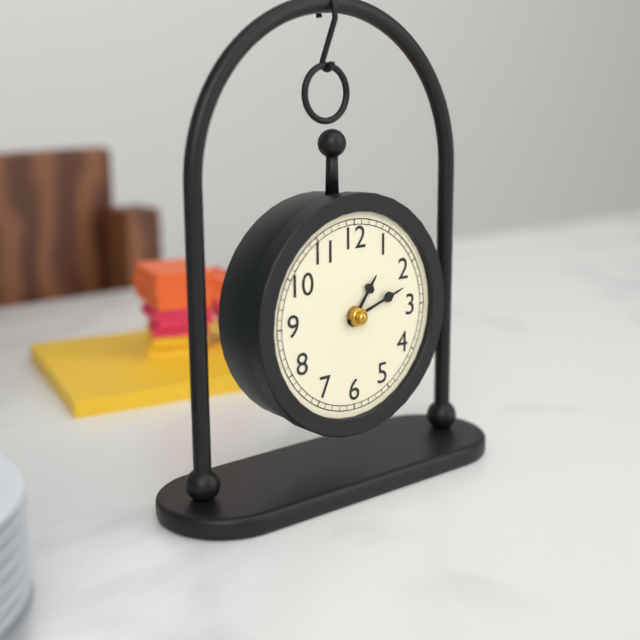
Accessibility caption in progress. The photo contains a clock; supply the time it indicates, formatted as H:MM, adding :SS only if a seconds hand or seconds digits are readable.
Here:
1:12
